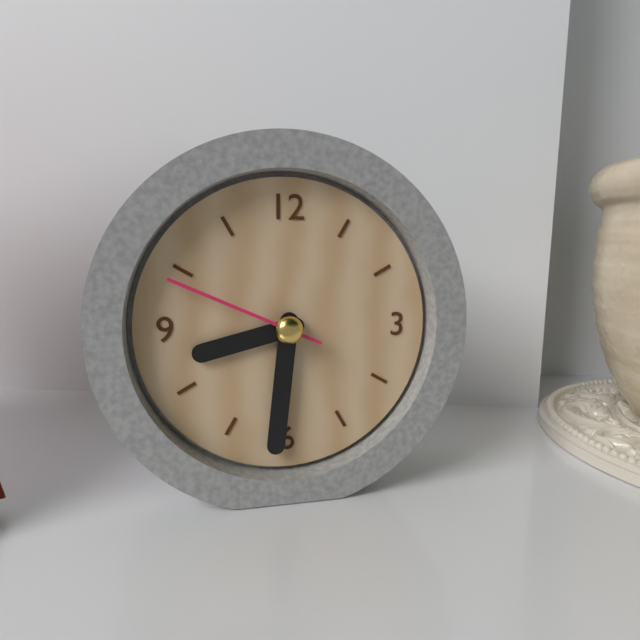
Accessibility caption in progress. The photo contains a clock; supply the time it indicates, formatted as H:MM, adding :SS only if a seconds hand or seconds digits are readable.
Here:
8:31:49
